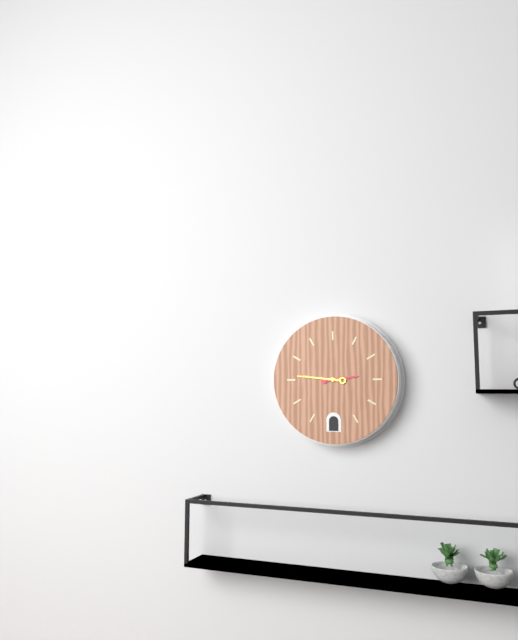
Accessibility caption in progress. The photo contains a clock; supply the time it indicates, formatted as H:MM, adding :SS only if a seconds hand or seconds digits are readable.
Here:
2:46
